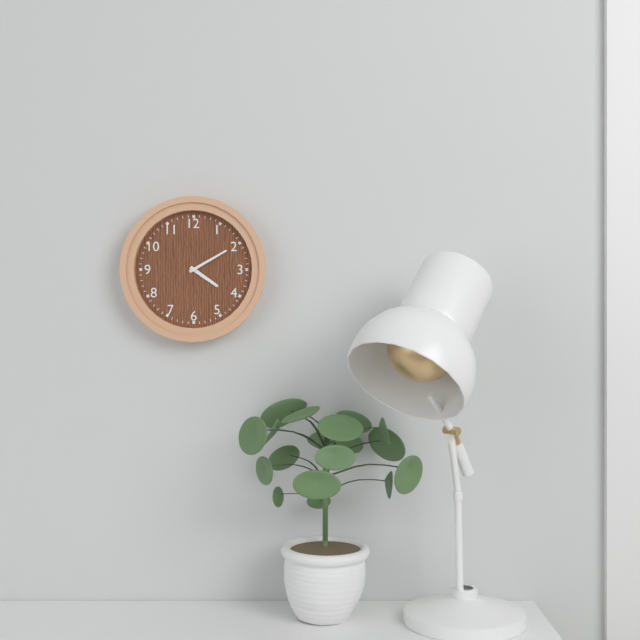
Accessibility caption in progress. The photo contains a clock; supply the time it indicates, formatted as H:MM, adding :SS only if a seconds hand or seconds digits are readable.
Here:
4:10
